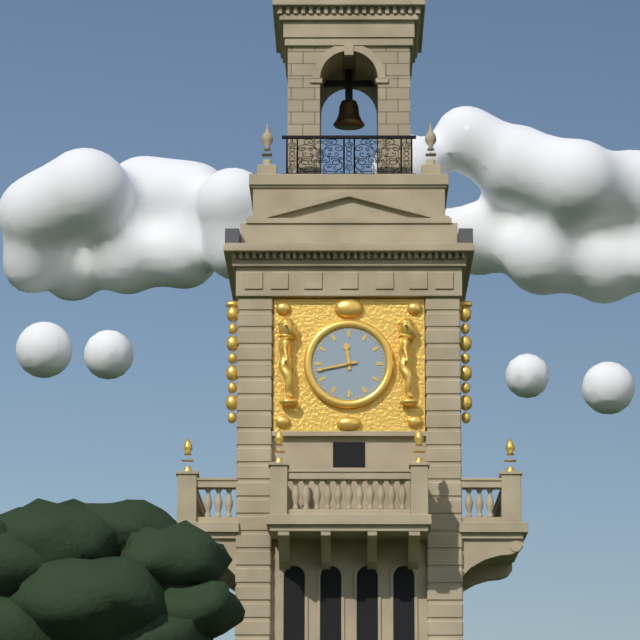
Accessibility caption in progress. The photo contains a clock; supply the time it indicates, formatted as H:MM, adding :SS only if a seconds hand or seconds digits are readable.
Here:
11:43
